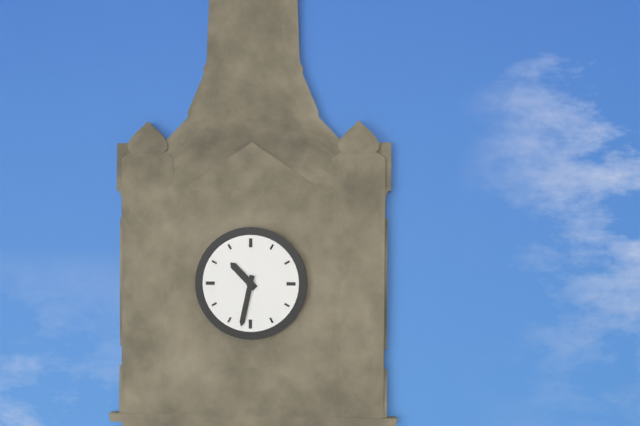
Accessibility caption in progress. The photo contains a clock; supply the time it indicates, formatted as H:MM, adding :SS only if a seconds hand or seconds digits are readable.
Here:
10:32
